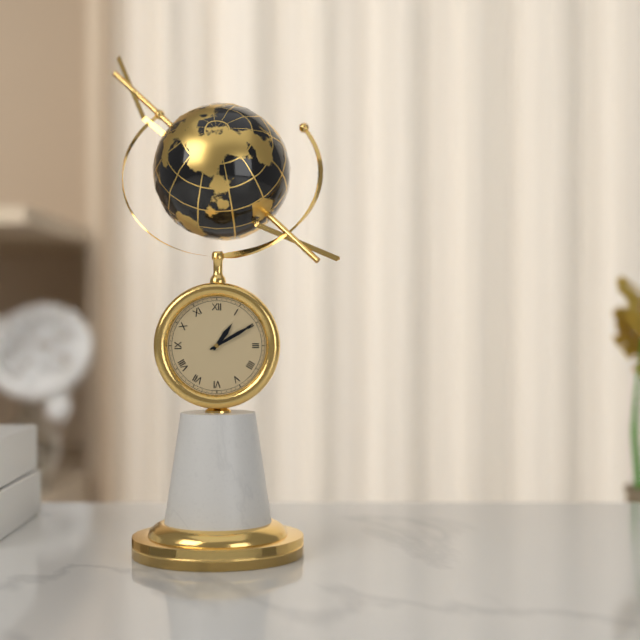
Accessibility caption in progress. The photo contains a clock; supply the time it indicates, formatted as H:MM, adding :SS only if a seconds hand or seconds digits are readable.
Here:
1:10
